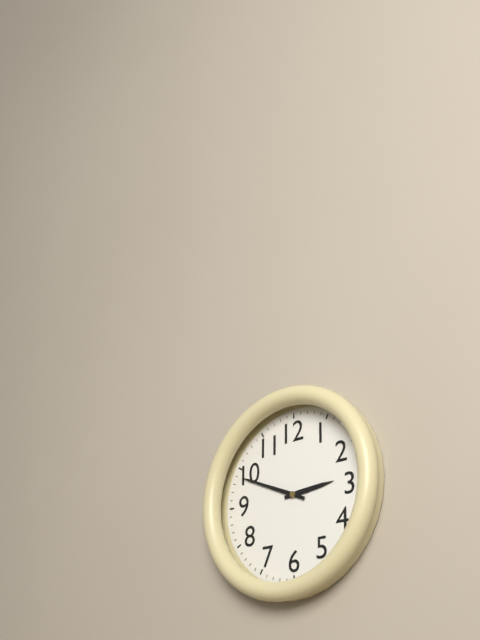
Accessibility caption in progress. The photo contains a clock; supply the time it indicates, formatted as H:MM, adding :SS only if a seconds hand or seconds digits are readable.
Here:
2:49
